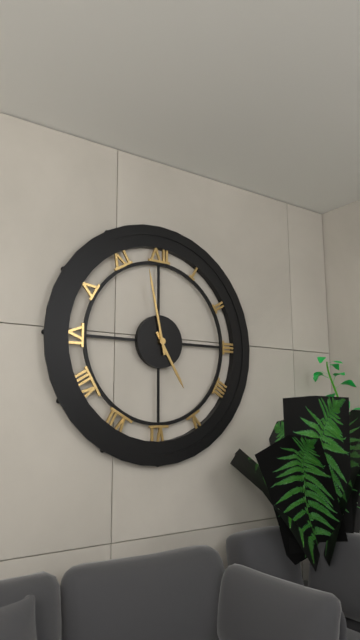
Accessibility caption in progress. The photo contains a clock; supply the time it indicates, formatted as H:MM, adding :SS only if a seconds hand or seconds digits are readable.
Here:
4:58
